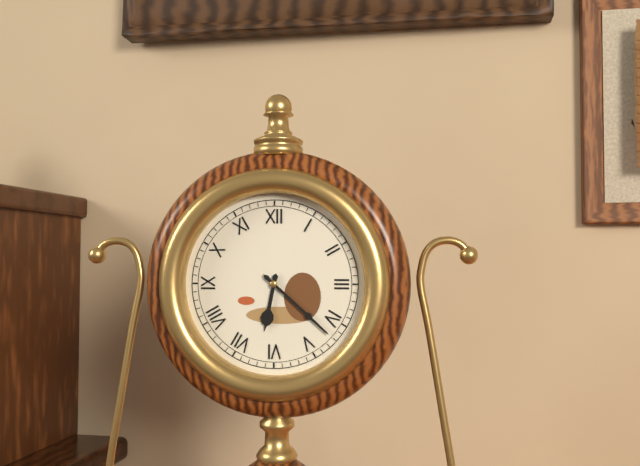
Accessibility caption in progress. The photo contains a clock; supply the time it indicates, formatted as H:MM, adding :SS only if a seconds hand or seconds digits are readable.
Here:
6:22
